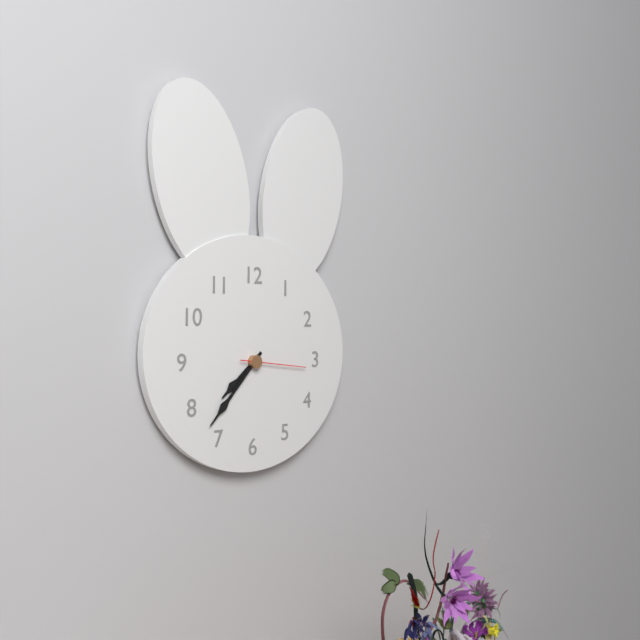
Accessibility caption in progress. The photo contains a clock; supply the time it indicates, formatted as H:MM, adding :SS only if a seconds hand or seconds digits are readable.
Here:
7:37:16
